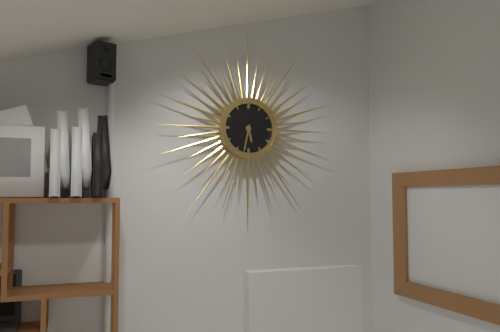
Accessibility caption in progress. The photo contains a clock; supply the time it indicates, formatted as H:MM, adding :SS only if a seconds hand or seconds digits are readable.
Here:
5:32
